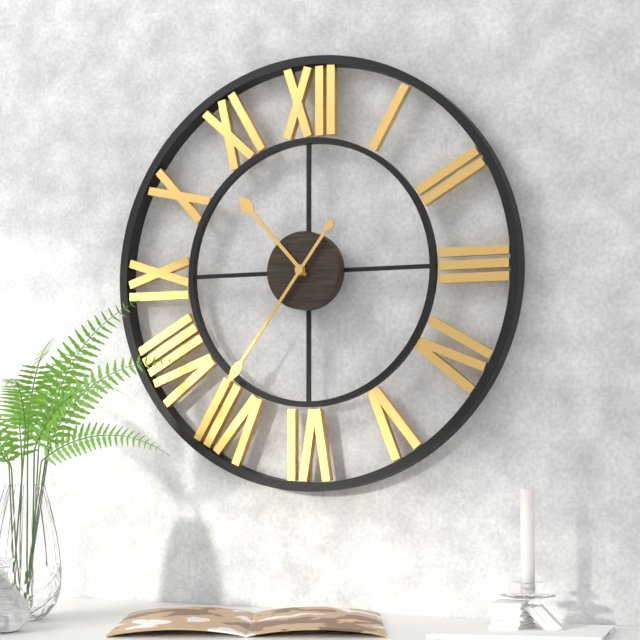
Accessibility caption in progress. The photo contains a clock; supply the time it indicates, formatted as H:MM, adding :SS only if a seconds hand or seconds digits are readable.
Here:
10:36
